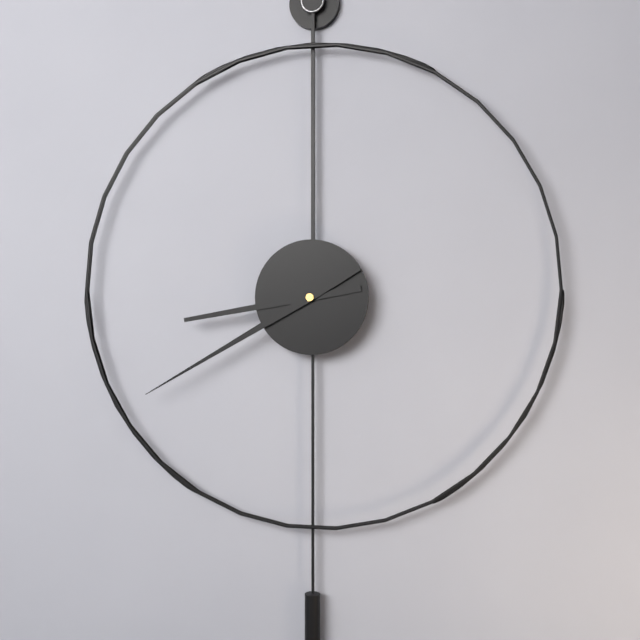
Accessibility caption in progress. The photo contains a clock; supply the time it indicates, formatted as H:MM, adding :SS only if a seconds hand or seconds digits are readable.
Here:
8:40
